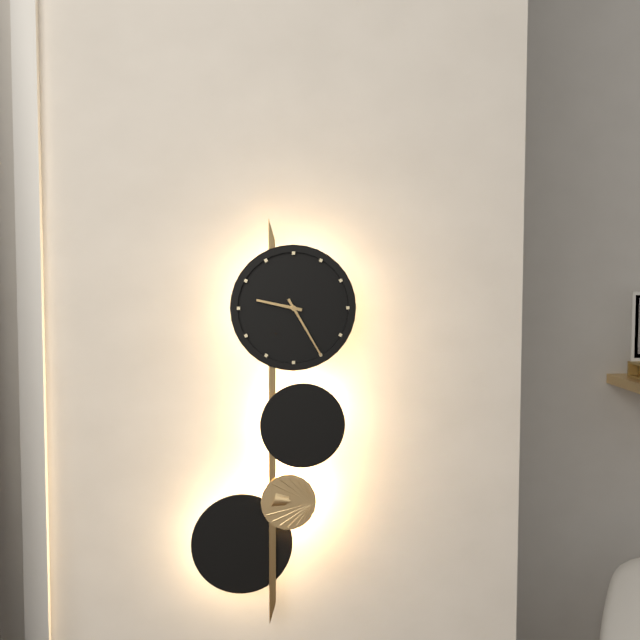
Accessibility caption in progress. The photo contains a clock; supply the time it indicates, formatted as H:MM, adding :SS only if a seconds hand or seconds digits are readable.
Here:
9:25
